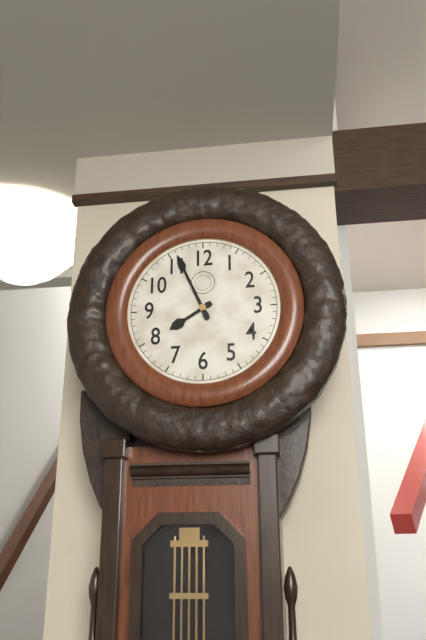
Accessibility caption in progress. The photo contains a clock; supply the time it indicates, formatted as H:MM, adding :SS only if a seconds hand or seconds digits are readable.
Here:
7:56
